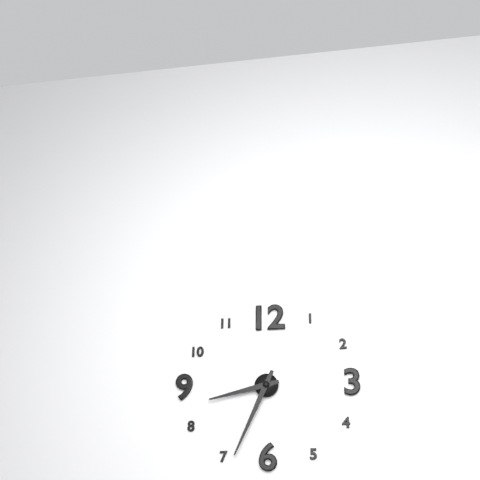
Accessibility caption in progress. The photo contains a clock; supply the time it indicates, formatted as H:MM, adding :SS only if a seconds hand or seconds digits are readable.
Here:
8:34
